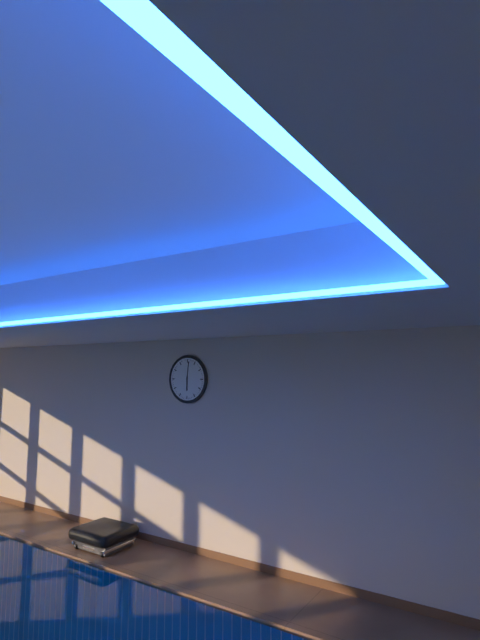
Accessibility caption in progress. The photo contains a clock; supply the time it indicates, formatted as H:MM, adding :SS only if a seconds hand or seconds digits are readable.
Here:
6:01
